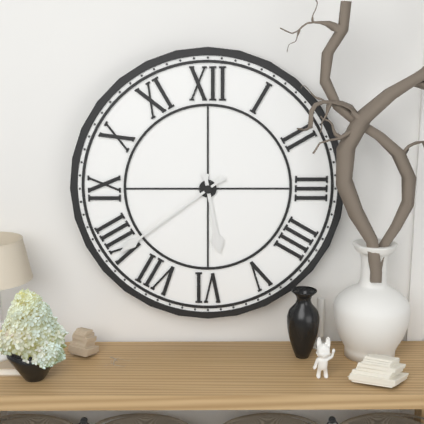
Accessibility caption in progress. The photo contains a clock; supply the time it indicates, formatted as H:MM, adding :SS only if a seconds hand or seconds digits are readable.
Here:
5:39
